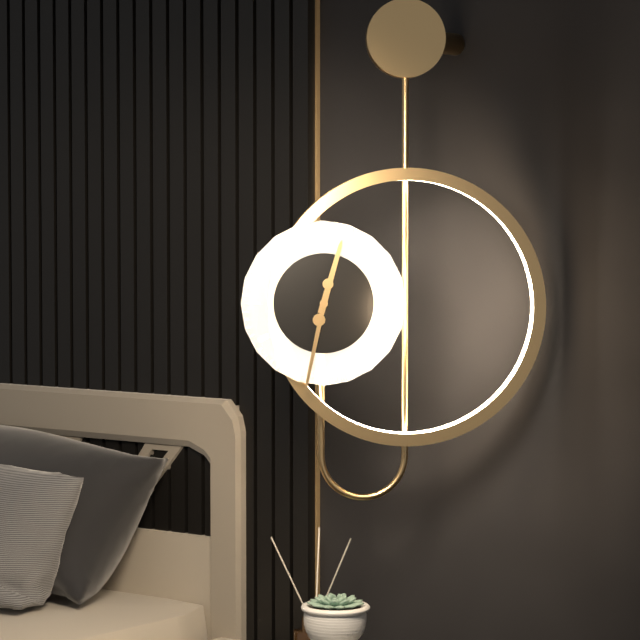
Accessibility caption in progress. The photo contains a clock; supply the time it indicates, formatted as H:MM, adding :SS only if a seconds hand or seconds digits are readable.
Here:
12:32
